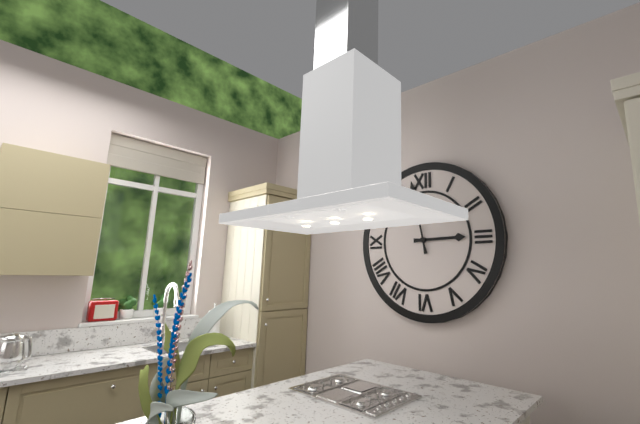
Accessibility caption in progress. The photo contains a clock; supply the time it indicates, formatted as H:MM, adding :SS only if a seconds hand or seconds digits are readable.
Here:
2:58
